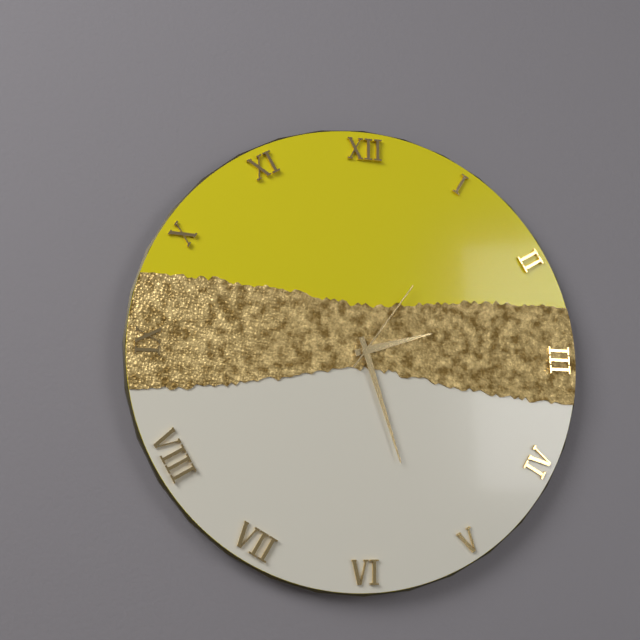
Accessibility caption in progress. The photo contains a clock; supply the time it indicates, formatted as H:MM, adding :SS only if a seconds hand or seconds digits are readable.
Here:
2:27:06
